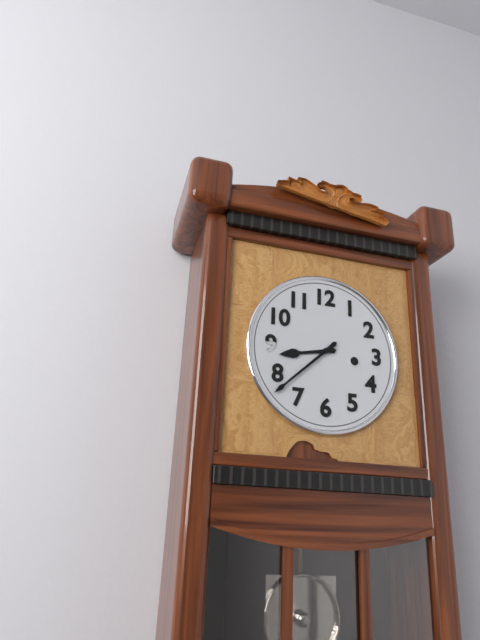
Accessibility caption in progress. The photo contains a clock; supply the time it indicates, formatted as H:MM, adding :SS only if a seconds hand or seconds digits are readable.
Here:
8:38
